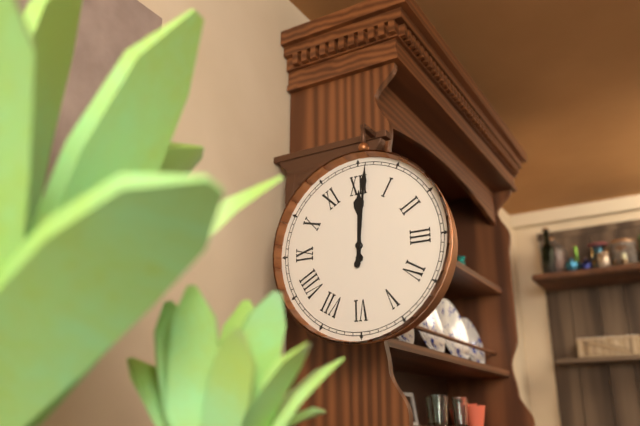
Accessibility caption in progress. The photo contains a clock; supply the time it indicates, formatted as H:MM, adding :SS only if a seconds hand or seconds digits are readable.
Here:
12:01
